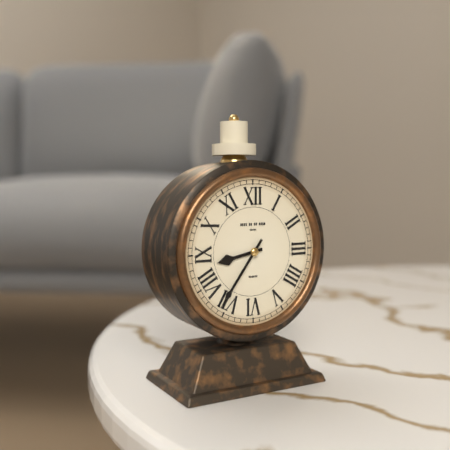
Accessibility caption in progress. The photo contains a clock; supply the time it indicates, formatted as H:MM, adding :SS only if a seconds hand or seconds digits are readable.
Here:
8:36
